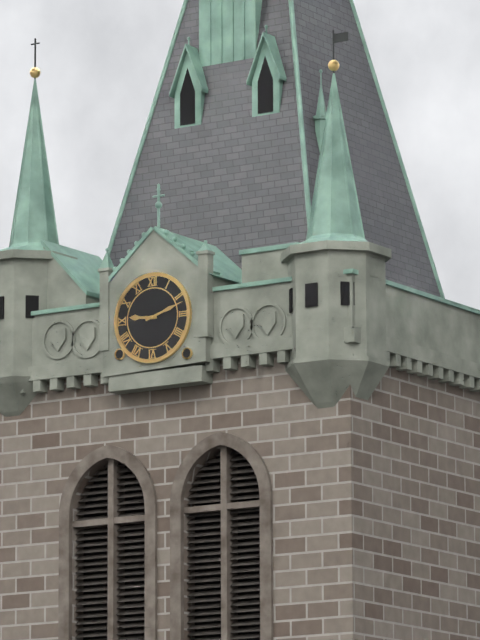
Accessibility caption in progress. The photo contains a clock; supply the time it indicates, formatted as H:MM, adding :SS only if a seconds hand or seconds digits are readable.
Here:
9:12
